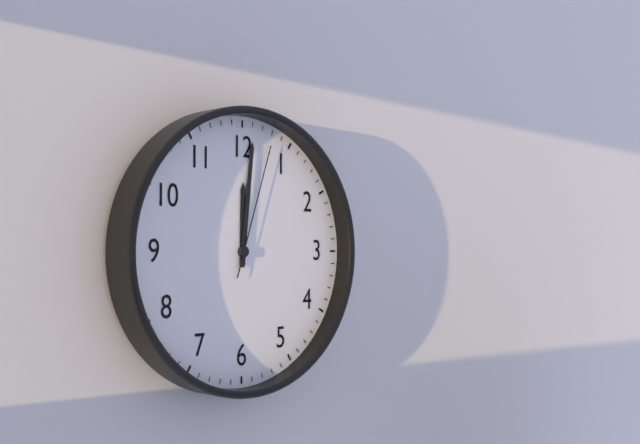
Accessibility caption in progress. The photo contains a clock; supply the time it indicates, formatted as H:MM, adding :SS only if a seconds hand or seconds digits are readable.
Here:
12:01:03
